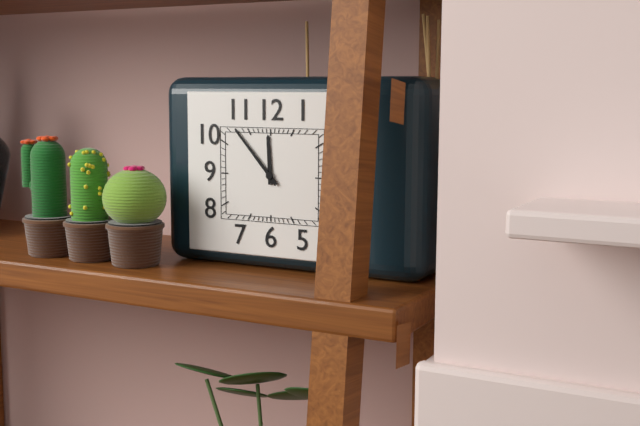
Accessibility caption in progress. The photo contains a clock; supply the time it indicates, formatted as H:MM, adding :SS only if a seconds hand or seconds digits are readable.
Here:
11:53
